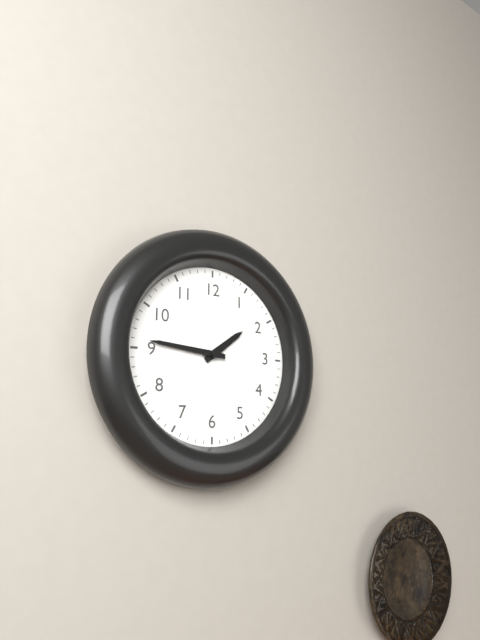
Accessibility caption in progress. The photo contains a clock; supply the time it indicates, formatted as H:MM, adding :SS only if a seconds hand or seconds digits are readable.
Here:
1:46
